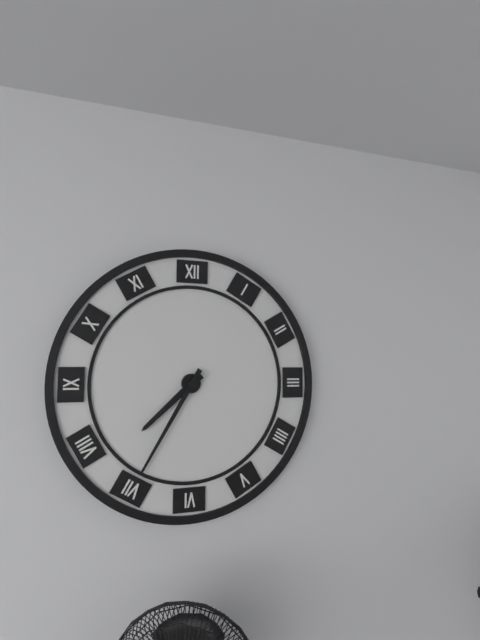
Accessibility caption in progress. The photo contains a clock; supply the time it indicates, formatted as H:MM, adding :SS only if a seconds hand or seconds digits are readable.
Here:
7:35
